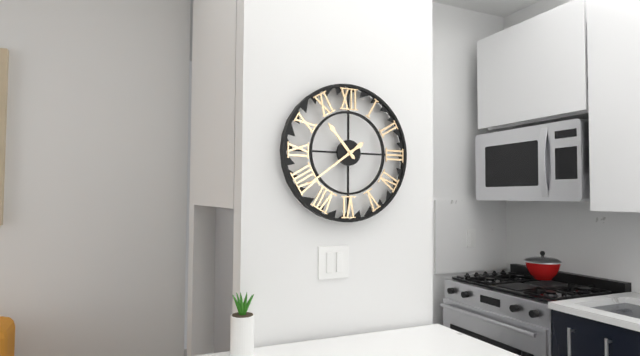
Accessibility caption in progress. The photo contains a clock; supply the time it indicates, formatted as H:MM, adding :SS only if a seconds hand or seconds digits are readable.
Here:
10:39
